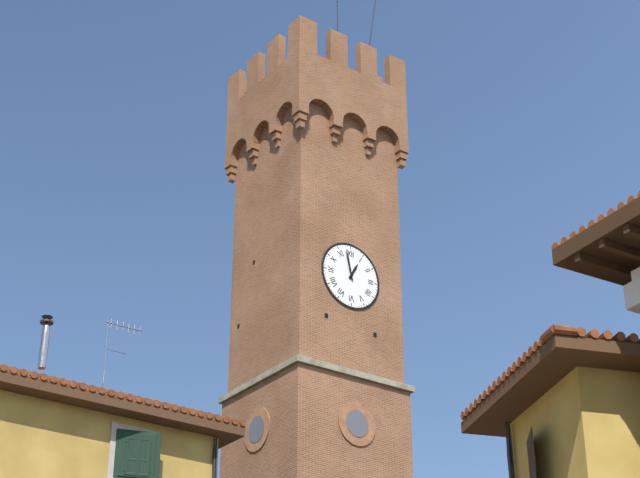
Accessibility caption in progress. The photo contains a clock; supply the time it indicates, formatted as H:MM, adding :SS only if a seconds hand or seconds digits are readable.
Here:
12:58
